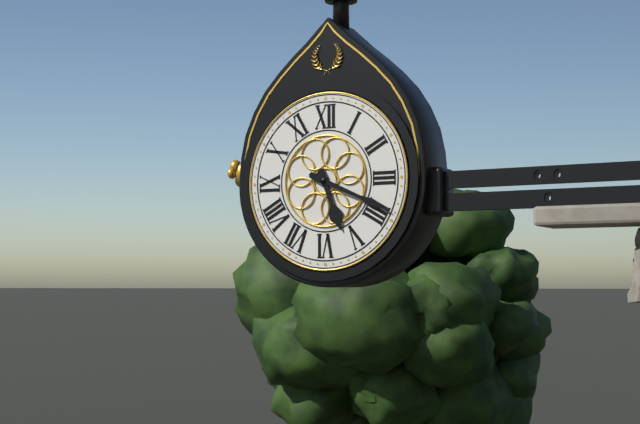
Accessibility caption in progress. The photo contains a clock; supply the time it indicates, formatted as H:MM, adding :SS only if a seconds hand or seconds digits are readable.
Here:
5:19
